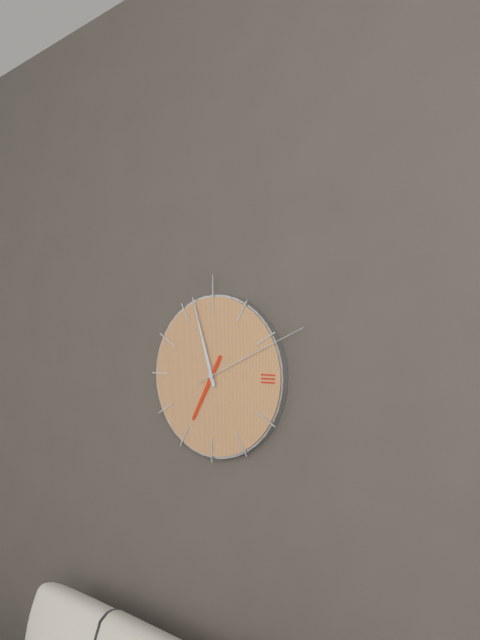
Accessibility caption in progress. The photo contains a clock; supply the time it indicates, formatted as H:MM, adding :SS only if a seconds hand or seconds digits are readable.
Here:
6:57:11
